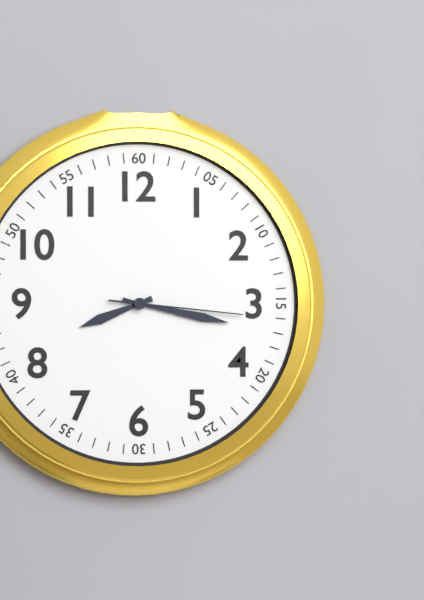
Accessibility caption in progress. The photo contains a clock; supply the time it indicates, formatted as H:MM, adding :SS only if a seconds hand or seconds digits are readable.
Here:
8:17:16
